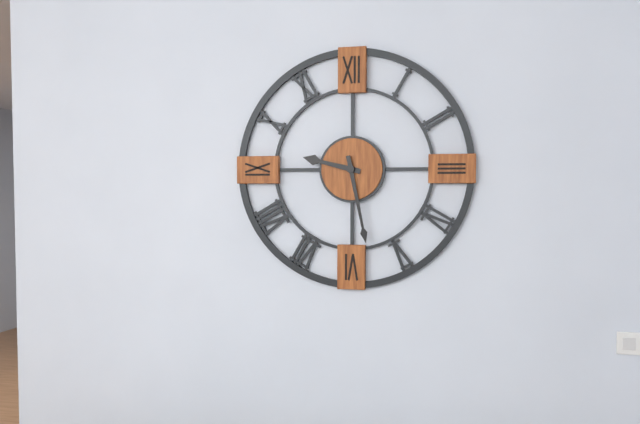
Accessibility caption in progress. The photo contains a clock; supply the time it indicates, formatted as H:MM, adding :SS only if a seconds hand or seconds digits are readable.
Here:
9:28
